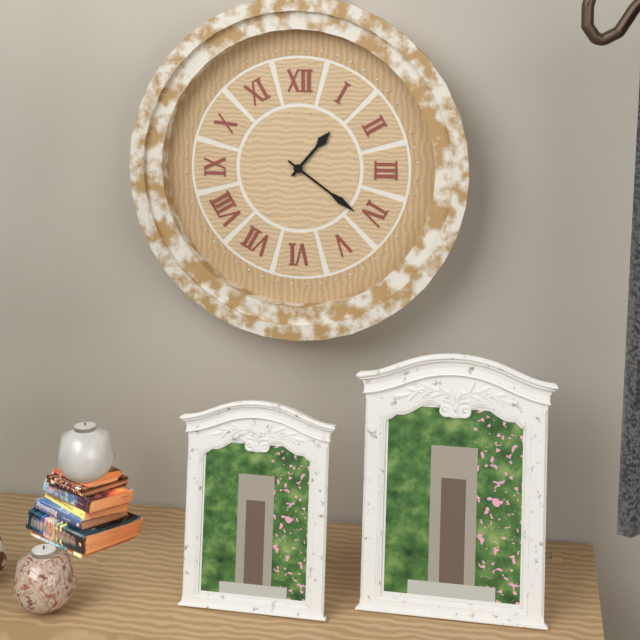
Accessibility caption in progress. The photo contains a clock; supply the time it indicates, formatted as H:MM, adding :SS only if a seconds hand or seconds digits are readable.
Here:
1:21
